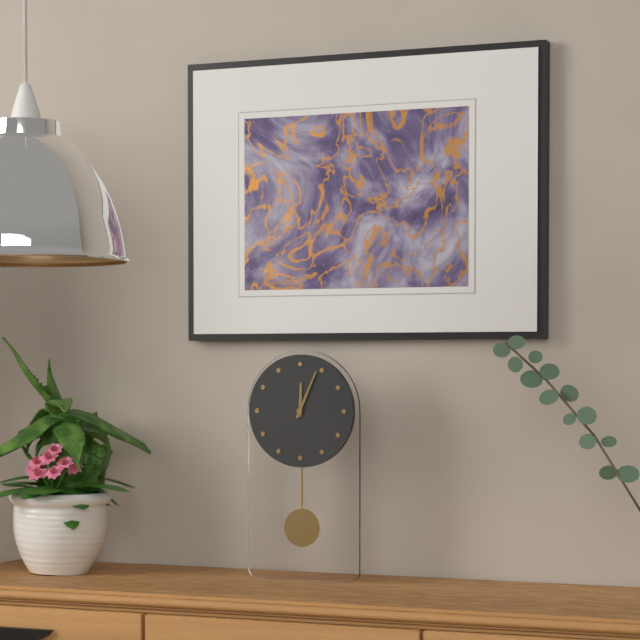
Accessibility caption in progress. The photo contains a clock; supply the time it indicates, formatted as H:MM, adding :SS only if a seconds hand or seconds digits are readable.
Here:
12:04
